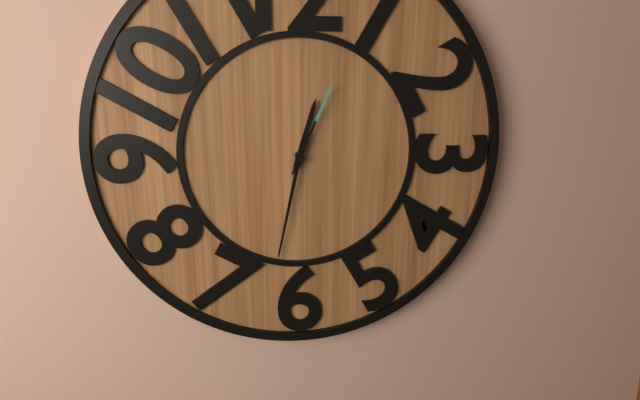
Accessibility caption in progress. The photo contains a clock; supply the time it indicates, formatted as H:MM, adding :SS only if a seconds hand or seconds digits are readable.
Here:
12:32:04
